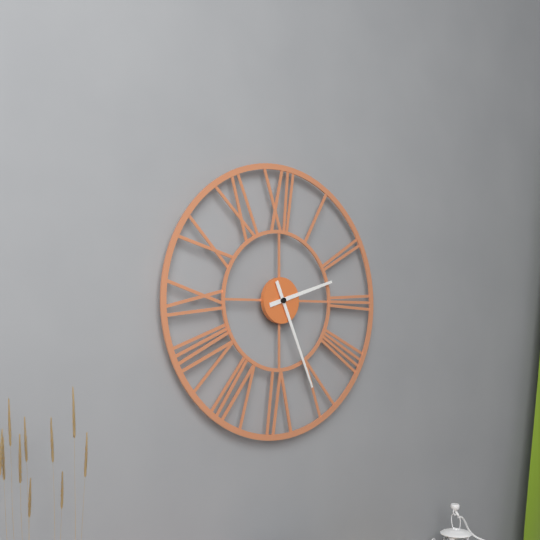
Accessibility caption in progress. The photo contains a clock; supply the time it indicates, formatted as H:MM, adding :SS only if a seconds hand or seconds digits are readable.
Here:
2:26
